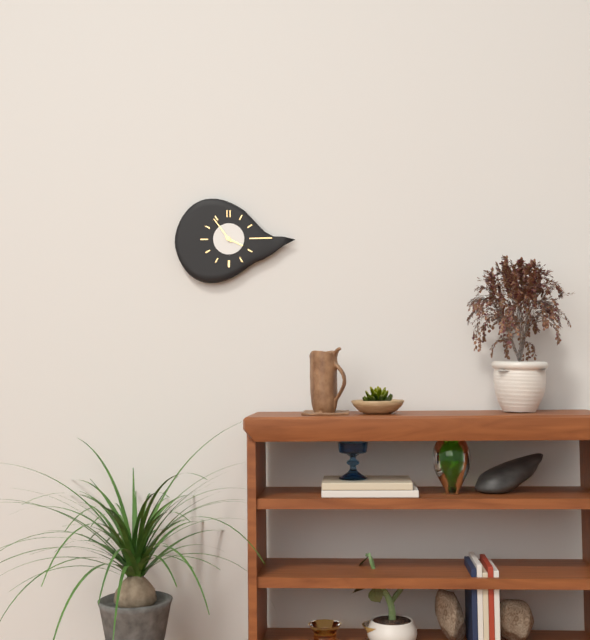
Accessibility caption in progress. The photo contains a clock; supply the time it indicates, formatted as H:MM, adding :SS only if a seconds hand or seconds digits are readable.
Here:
3:54
